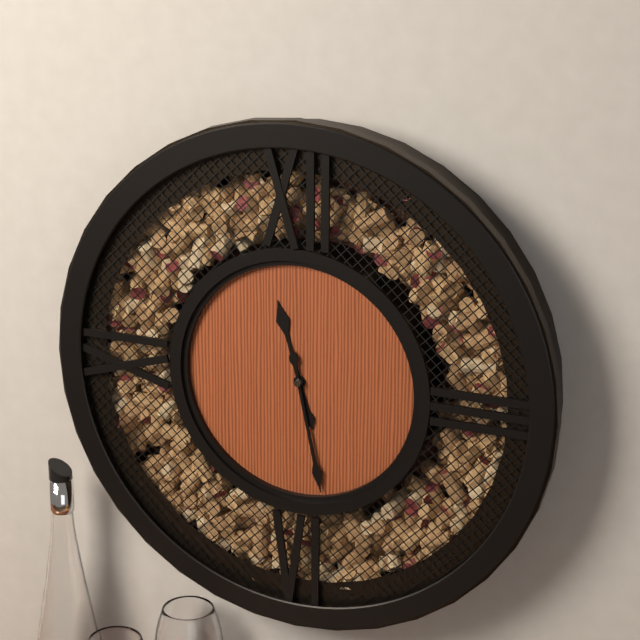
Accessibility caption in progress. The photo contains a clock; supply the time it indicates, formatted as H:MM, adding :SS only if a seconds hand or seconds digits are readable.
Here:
11:28
